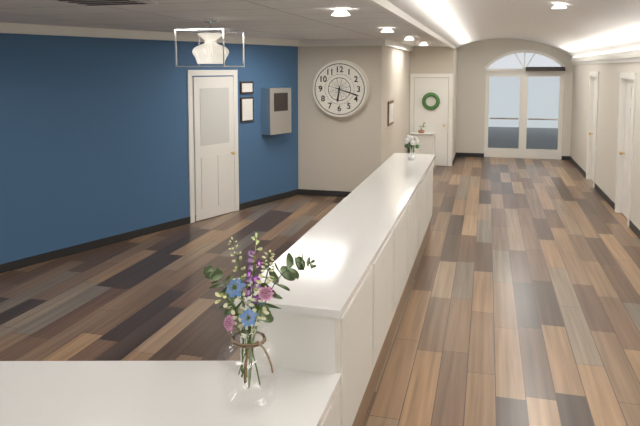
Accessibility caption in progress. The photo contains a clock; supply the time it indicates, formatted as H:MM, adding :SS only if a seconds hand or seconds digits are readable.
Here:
6:18
